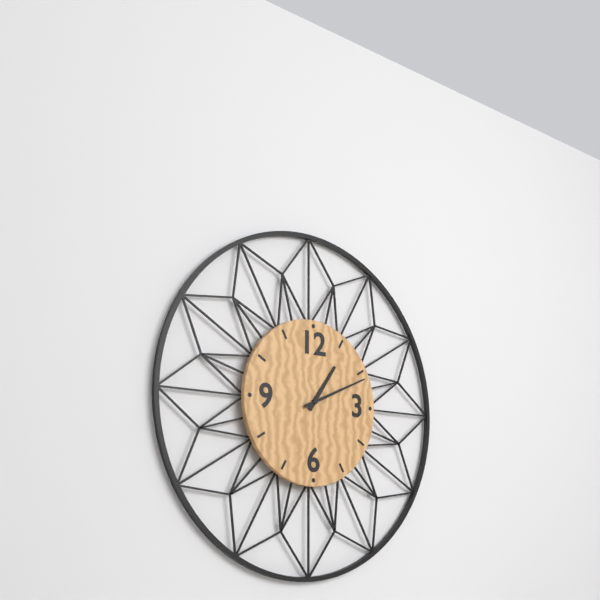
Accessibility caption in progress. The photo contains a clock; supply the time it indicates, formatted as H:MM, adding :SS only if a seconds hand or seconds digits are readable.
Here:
1:11
